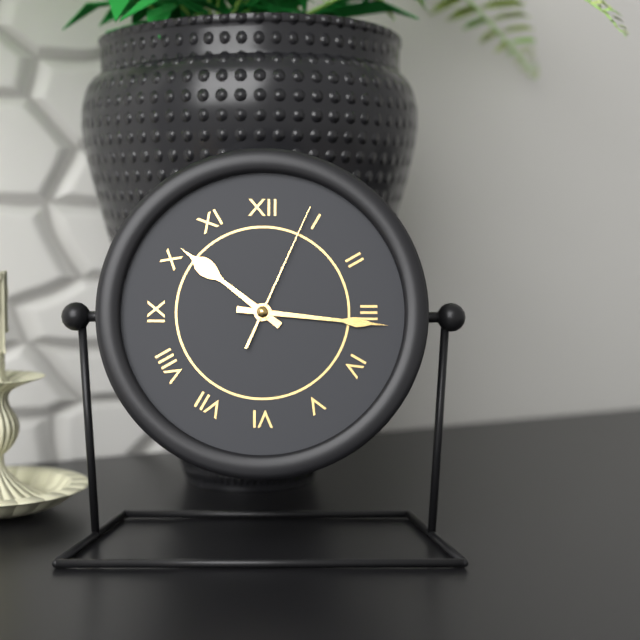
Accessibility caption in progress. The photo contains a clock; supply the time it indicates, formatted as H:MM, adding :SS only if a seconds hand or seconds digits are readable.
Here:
10:16:04
